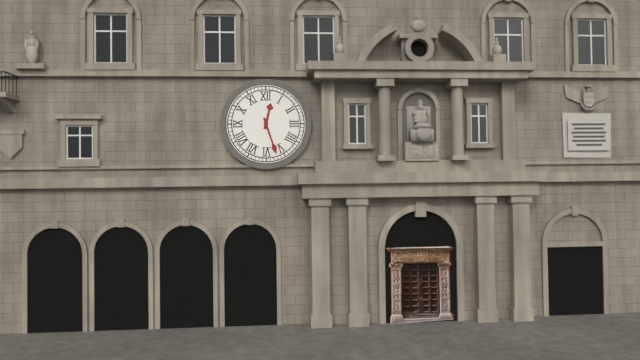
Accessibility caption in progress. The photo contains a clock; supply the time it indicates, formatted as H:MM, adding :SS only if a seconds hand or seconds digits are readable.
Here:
12:27
